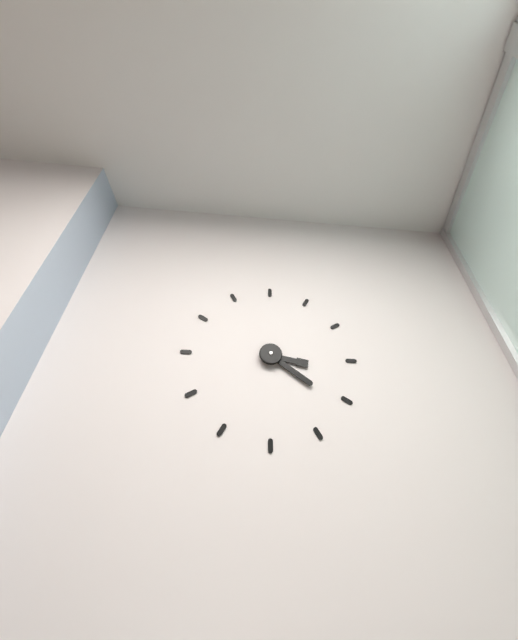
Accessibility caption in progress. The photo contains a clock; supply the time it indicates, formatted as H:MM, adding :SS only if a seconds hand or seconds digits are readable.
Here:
3:21
